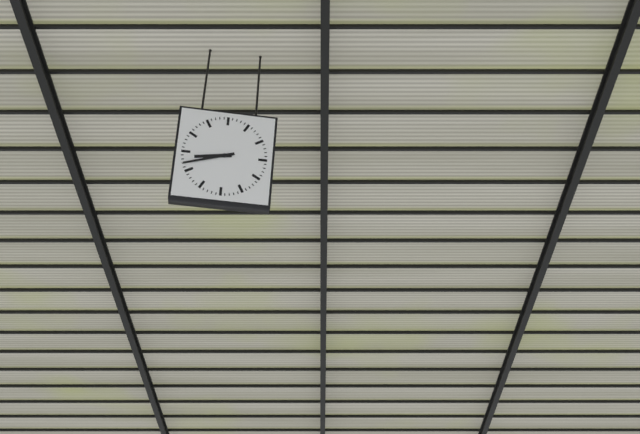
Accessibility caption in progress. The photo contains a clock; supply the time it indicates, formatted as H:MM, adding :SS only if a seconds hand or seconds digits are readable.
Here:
8:42
